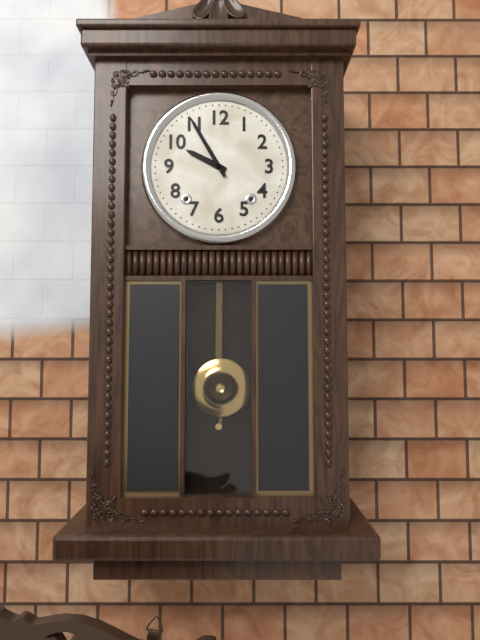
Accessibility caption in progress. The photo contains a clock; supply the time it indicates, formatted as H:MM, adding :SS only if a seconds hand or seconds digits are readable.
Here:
9:55
